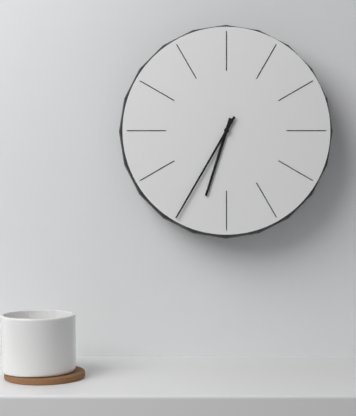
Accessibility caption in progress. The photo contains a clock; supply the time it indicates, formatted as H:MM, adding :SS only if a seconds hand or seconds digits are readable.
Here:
6:35
